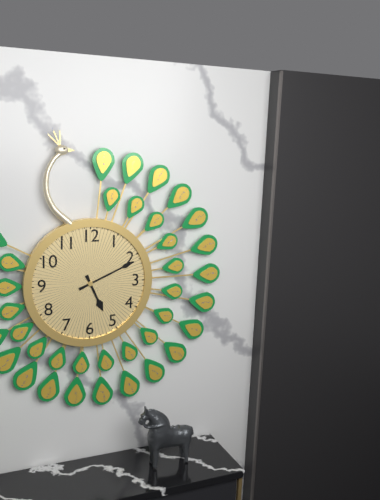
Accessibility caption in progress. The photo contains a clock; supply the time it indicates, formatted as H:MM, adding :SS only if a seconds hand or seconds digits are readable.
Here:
5:11
